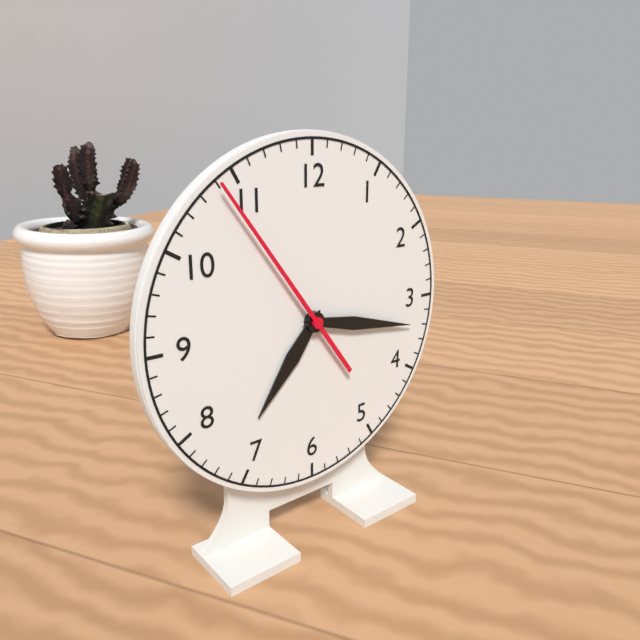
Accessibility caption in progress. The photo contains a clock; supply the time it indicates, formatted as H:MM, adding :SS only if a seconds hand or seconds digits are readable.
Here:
7:17:54
